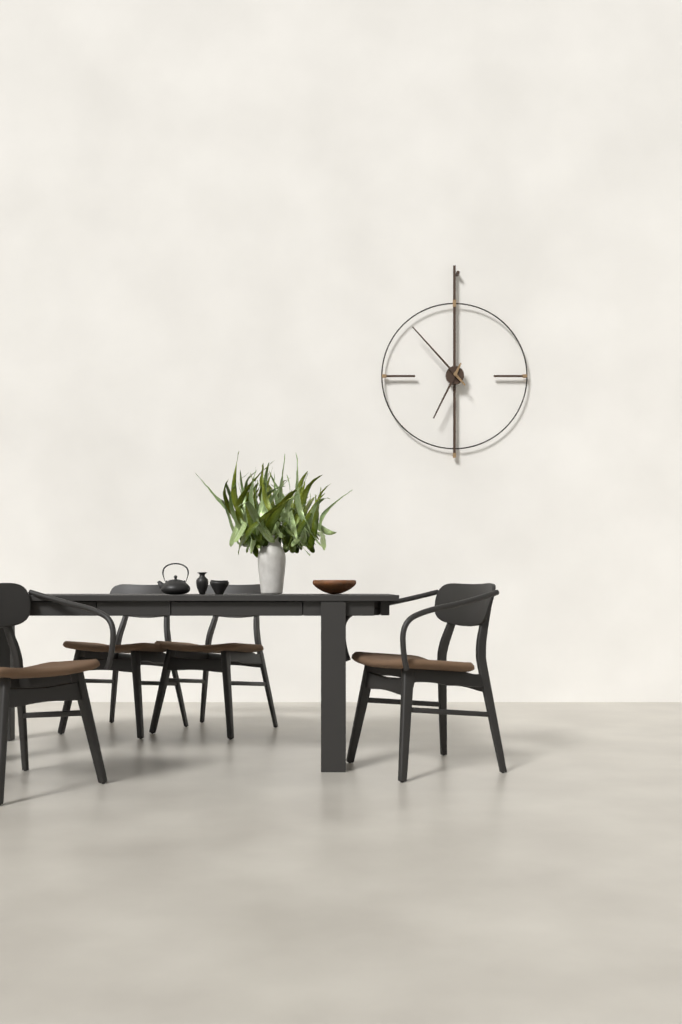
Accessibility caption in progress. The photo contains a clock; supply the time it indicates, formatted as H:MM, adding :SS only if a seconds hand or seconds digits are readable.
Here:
6:53
